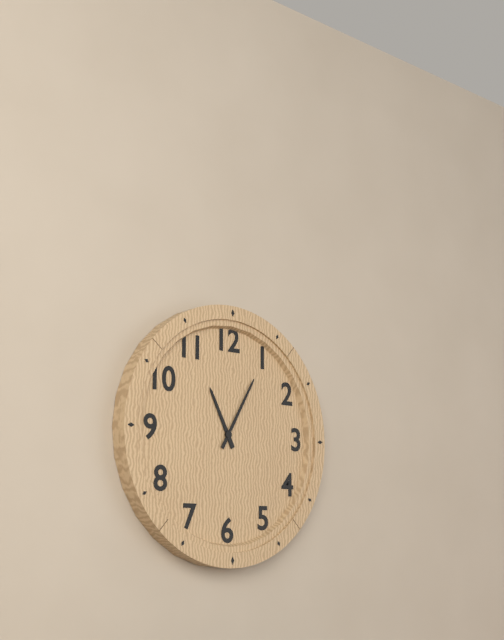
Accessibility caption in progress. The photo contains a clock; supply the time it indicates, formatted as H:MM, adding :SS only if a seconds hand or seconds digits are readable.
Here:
11:05
